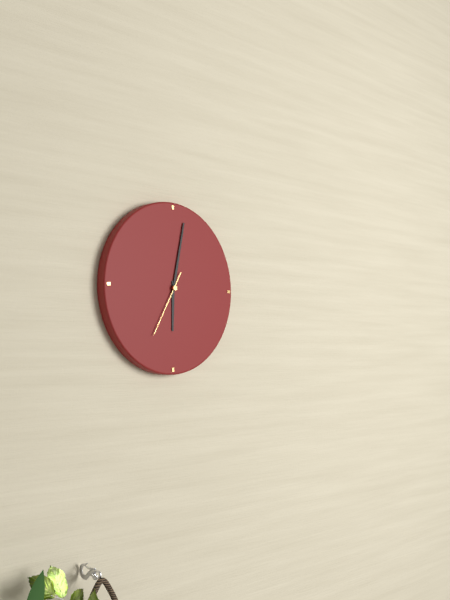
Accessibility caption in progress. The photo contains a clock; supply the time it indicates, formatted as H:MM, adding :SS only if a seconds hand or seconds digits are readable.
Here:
6:02:35
